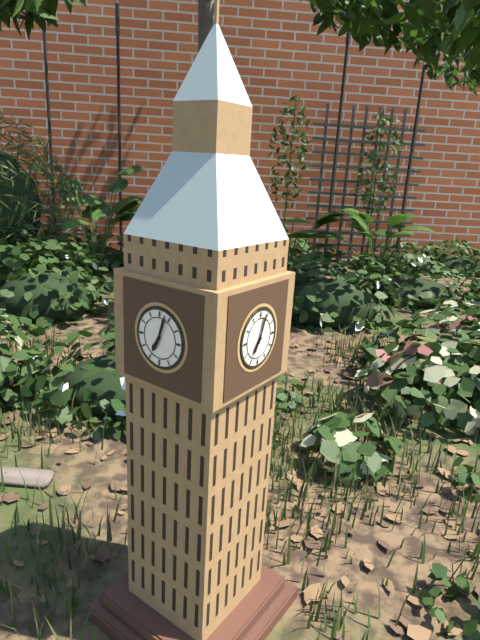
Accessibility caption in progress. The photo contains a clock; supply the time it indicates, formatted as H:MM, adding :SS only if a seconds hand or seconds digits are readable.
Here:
7:03
